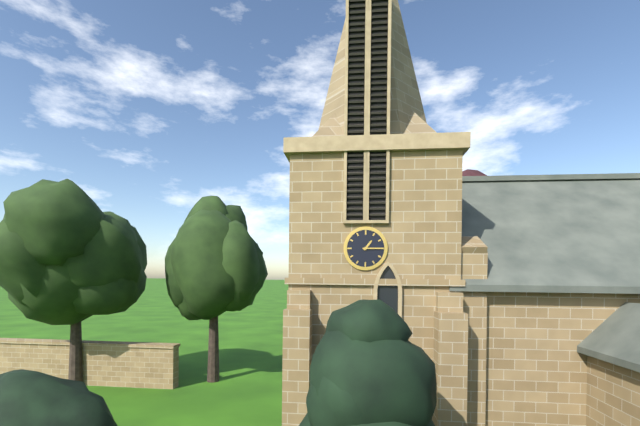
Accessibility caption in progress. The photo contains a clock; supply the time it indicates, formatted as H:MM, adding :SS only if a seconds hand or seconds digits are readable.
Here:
1:15
